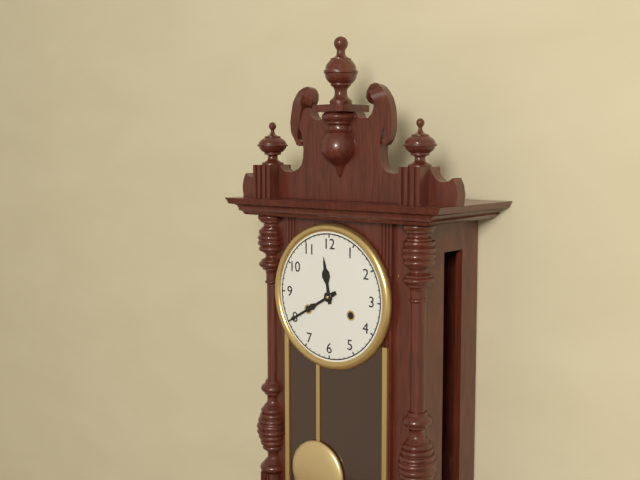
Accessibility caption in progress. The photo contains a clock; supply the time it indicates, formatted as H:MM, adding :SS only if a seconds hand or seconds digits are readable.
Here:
11:40
